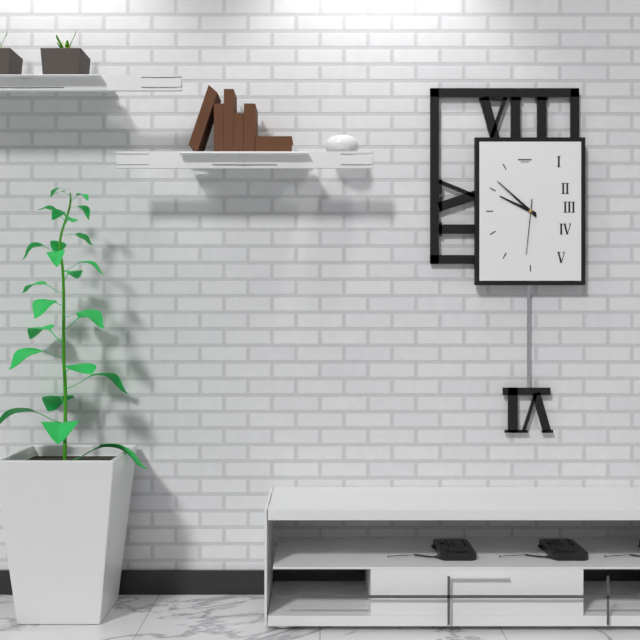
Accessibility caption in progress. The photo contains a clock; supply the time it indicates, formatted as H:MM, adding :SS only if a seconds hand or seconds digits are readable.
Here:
9:52:31
